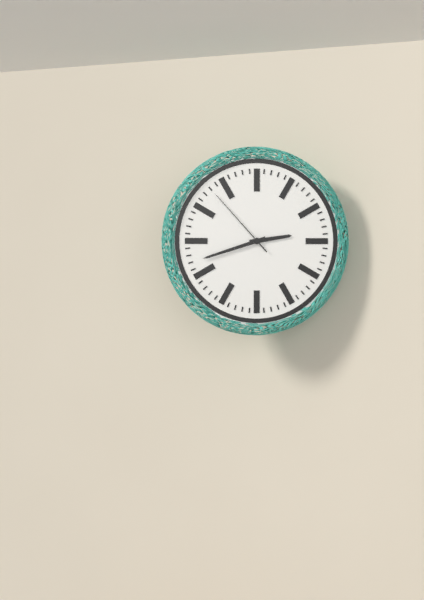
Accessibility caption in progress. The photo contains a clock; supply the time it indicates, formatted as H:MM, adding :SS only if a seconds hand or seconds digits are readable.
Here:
2:42:53
